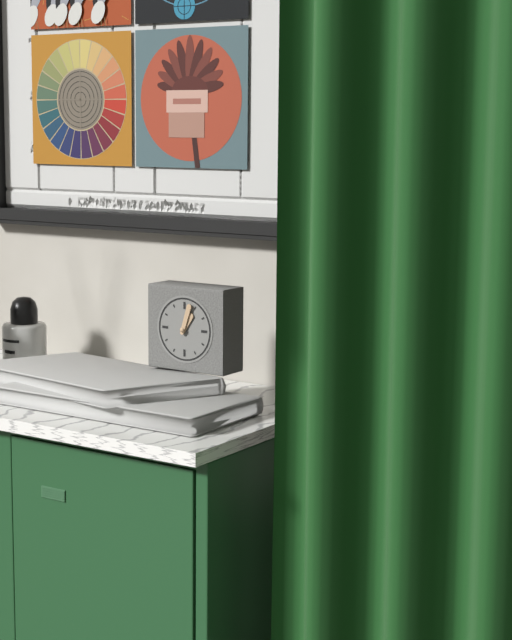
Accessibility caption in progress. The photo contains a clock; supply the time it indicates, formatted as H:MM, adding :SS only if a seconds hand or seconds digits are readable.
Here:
1:03
